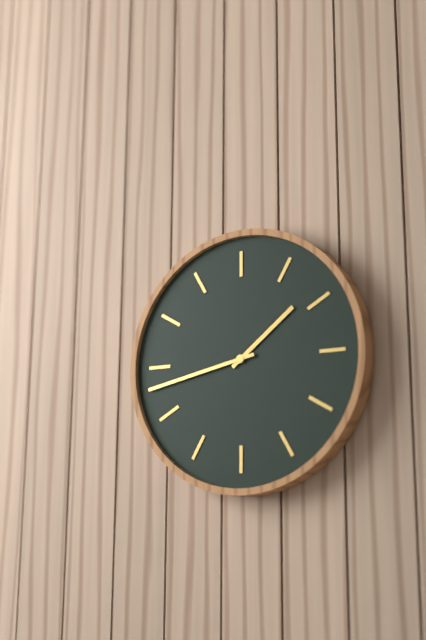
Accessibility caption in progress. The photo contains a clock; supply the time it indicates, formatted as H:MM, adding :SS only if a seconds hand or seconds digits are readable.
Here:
1:43
